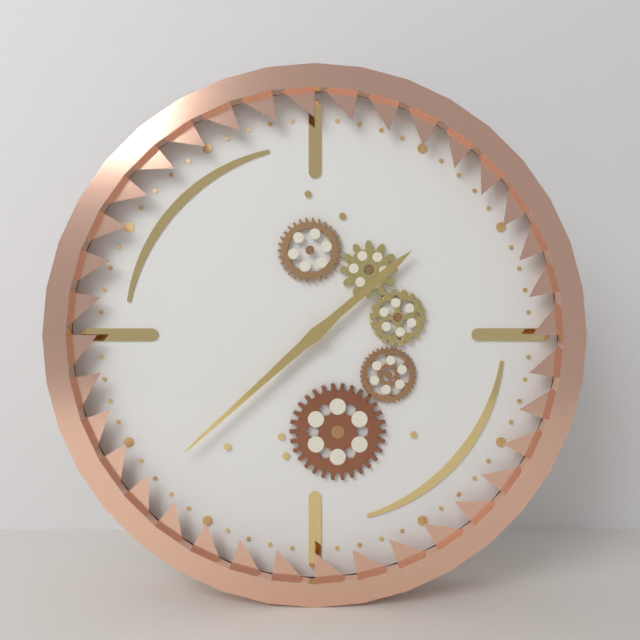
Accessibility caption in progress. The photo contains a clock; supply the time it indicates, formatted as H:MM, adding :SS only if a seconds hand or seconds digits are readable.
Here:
1:38
